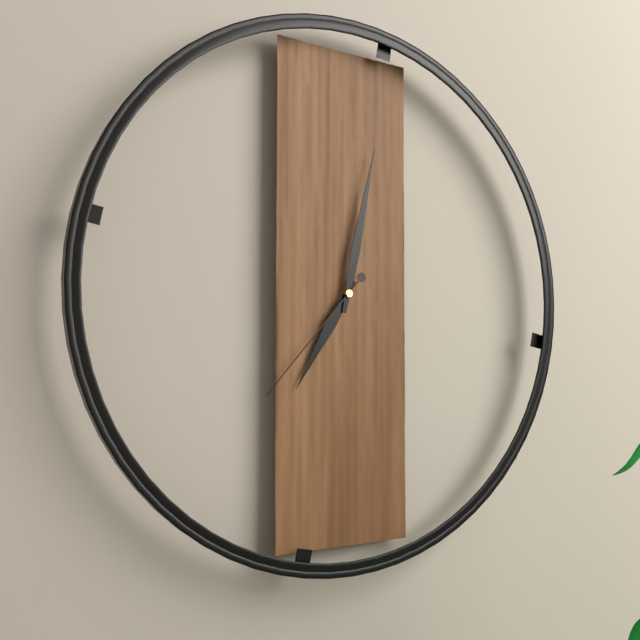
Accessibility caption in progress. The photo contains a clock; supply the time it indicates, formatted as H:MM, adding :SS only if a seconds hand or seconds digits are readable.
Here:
7:02:37
